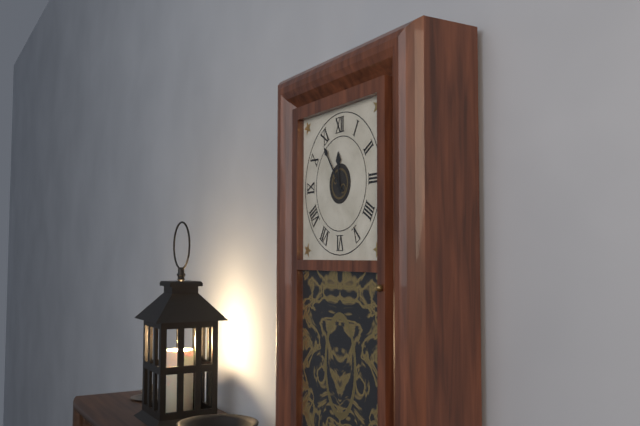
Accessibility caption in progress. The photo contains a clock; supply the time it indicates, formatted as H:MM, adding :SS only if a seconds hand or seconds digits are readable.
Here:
11:54
